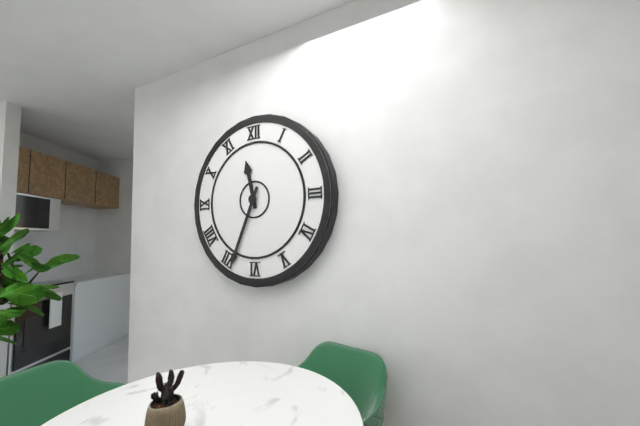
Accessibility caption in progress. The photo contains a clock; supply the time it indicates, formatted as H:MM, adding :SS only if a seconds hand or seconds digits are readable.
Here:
11:34
